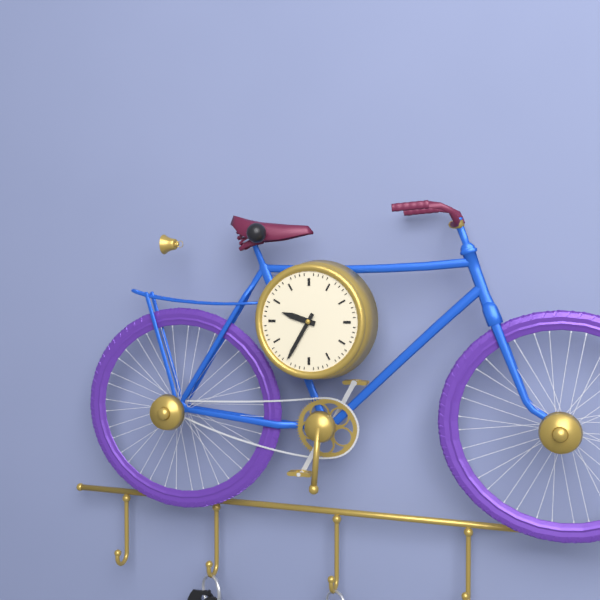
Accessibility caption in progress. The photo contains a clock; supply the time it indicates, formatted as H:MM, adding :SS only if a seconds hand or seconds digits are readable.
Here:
9:35
